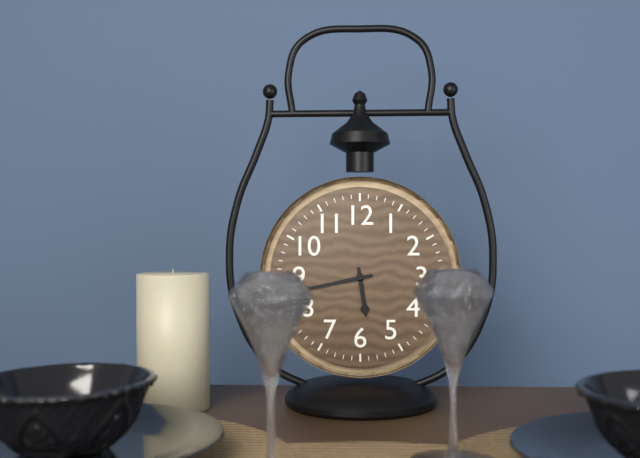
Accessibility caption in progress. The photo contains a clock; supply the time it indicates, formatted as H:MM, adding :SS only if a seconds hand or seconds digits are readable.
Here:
5:43
